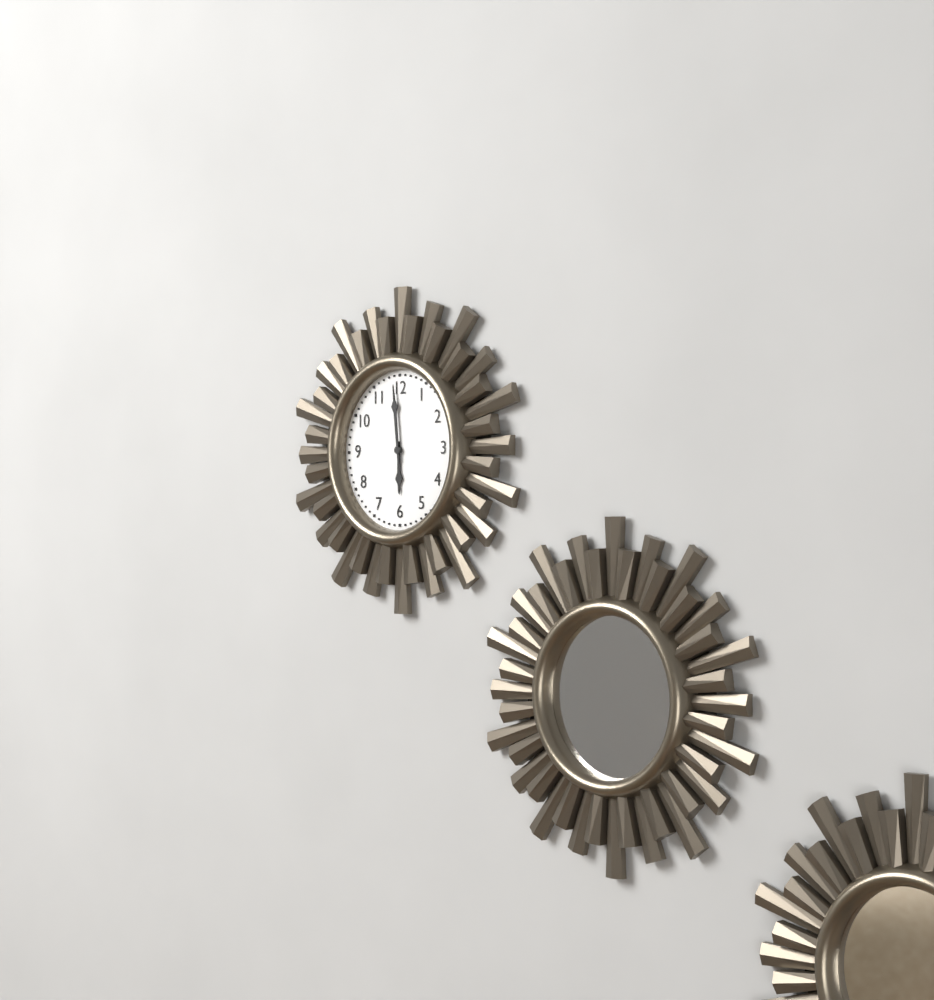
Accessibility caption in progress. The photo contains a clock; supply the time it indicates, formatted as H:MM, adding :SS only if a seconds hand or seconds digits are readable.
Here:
5:59
